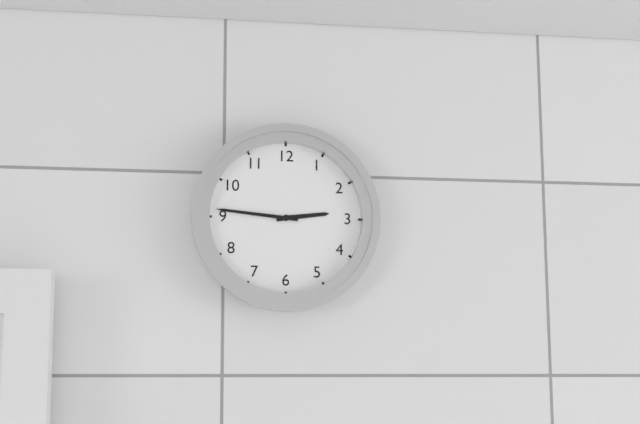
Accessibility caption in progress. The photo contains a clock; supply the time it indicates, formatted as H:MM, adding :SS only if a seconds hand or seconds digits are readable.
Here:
2:46
